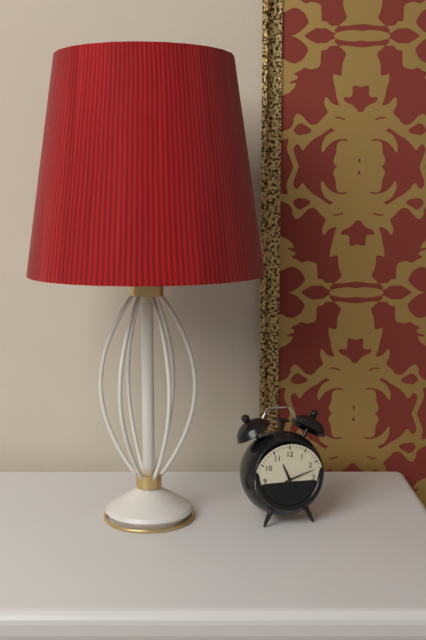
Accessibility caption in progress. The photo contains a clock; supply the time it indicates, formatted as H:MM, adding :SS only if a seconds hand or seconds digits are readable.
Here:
11:12
